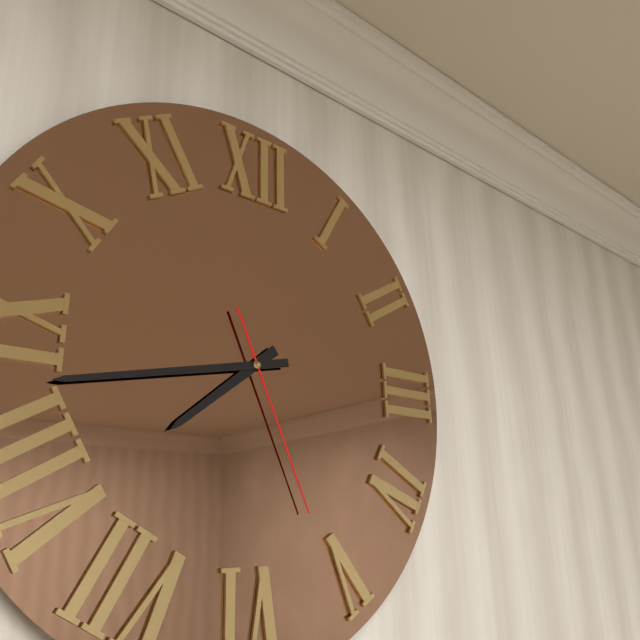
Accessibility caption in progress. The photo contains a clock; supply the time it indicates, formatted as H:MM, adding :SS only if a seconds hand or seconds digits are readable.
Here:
7:43:26
